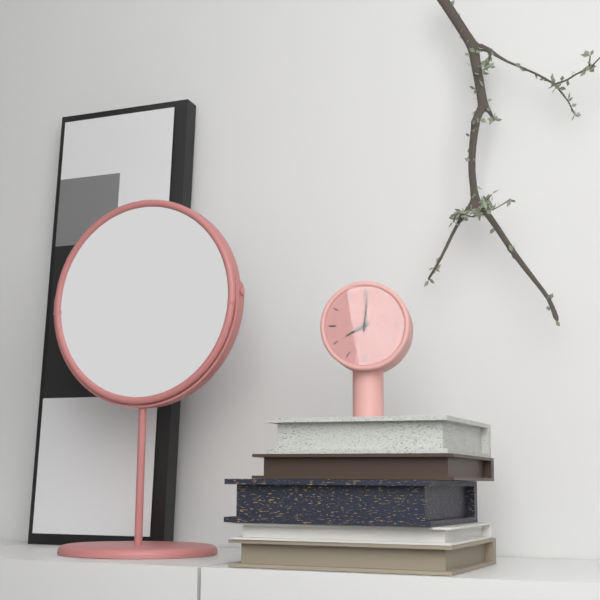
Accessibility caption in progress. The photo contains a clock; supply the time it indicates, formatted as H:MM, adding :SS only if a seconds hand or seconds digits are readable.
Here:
8:01
